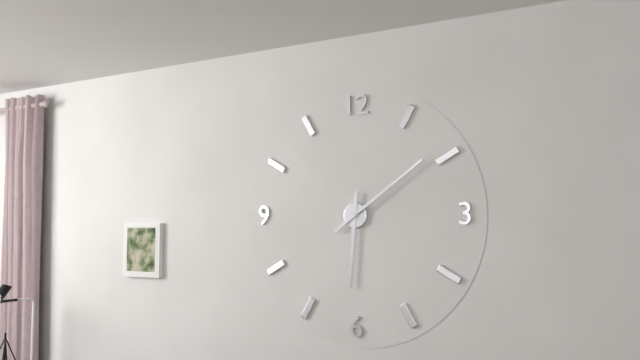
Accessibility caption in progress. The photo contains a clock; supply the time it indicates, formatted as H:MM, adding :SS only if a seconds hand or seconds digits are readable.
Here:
6:09
